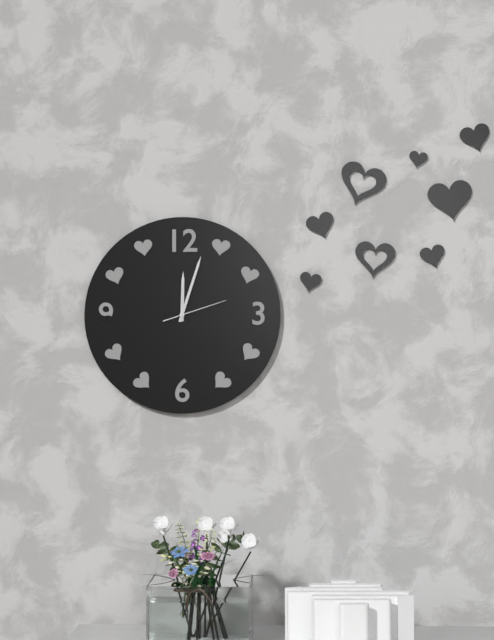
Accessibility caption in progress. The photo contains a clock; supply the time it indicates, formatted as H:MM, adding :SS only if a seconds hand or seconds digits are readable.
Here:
12:03:12
